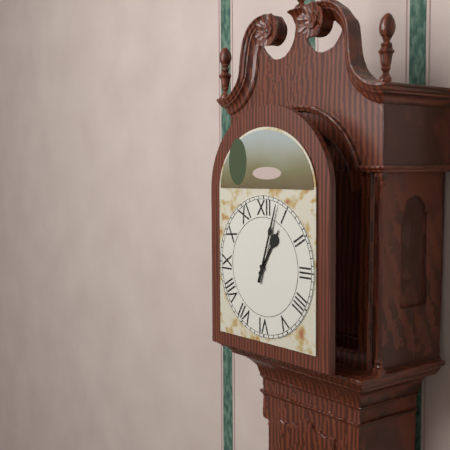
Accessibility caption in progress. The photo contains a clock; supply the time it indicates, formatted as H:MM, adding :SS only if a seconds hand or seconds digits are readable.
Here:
1:03
